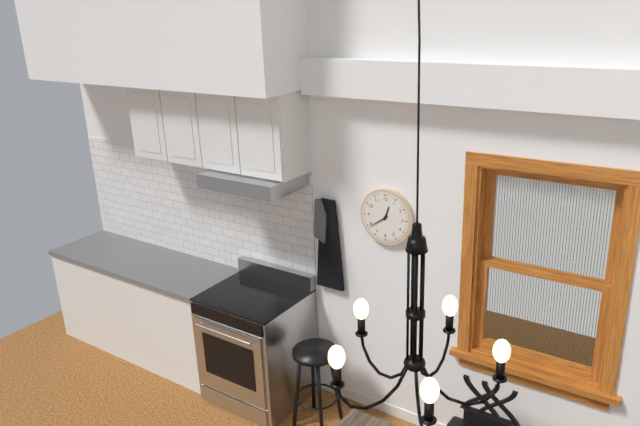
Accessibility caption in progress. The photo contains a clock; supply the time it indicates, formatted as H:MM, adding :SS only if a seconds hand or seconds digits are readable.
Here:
12:39
